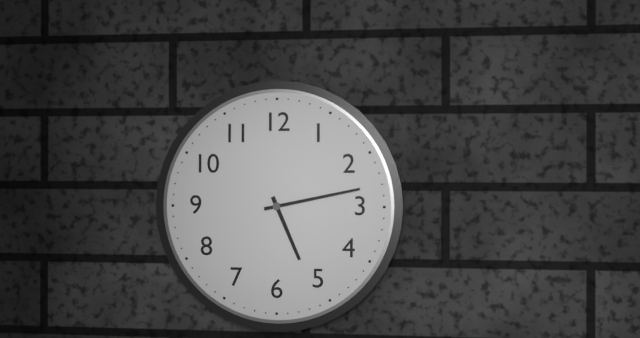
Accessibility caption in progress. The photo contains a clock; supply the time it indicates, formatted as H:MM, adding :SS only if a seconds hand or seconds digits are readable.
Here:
5:13
